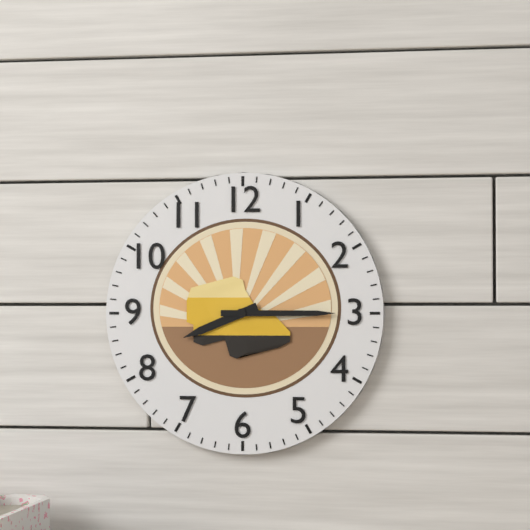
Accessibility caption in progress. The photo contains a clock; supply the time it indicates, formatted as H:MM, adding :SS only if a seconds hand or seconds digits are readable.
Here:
8:15
